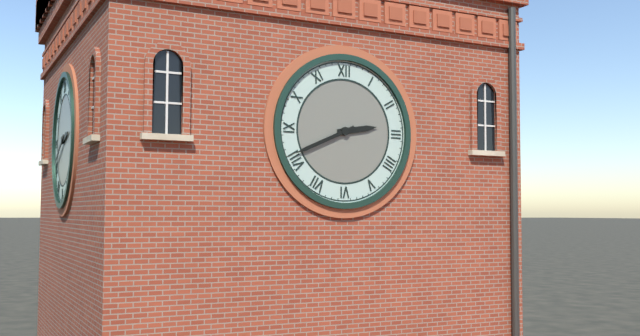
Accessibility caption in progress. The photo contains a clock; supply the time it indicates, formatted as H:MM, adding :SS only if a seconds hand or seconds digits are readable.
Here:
2:41
